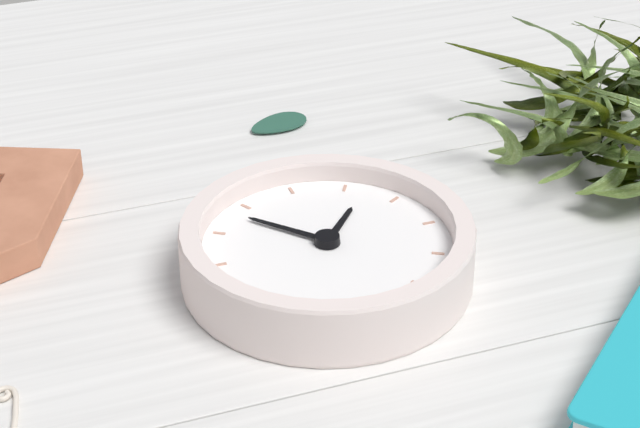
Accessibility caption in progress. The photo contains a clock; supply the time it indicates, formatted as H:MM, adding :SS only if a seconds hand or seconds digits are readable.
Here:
7:23
